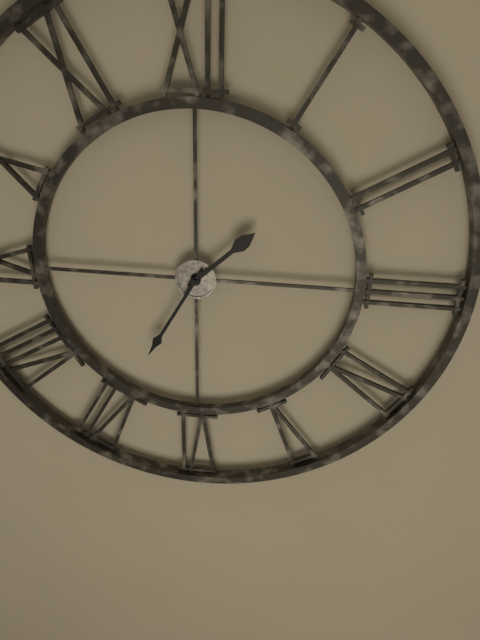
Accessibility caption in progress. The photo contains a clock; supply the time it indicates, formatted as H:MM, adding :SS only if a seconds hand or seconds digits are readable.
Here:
1:35
